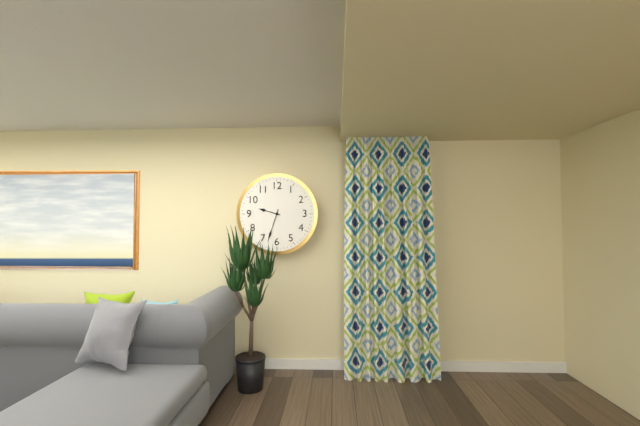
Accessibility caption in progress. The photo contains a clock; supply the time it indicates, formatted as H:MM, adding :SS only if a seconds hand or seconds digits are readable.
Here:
9:33
